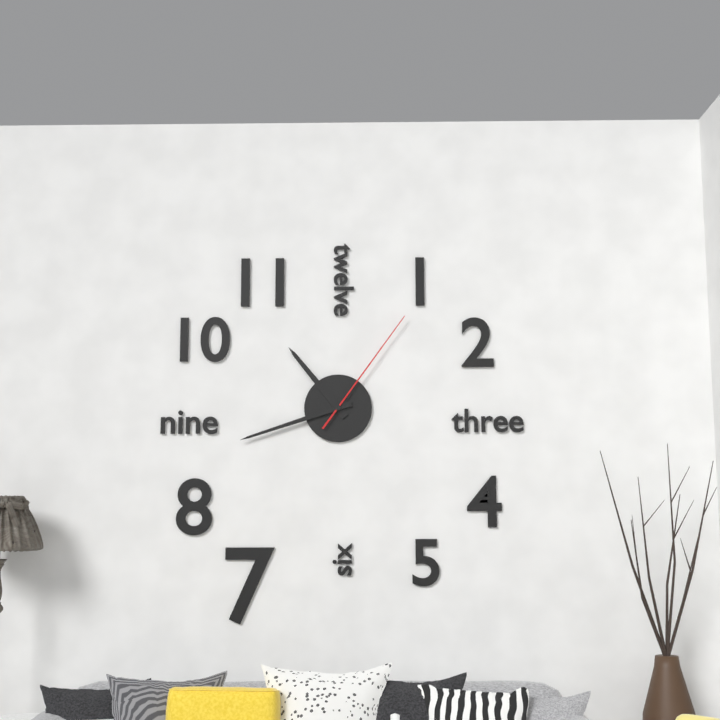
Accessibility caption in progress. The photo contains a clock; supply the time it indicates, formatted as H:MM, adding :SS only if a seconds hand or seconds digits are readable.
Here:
10:42:06
